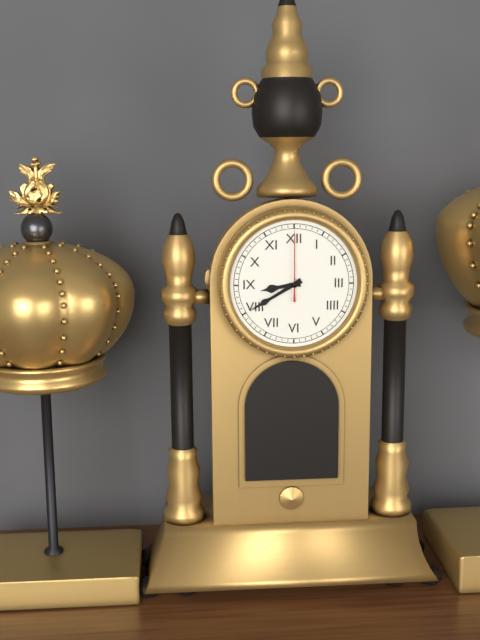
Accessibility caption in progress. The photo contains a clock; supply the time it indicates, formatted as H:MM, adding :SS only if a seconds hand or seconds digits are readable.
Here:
8:40:00
